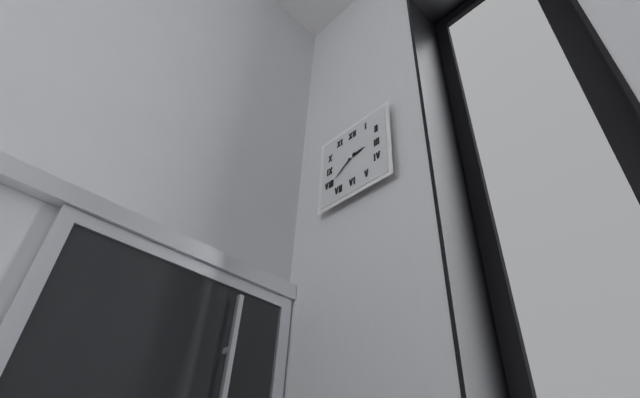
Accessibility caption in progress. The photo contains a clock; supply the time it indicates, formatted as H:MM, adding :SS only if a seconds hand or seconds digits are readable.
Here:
2:39
